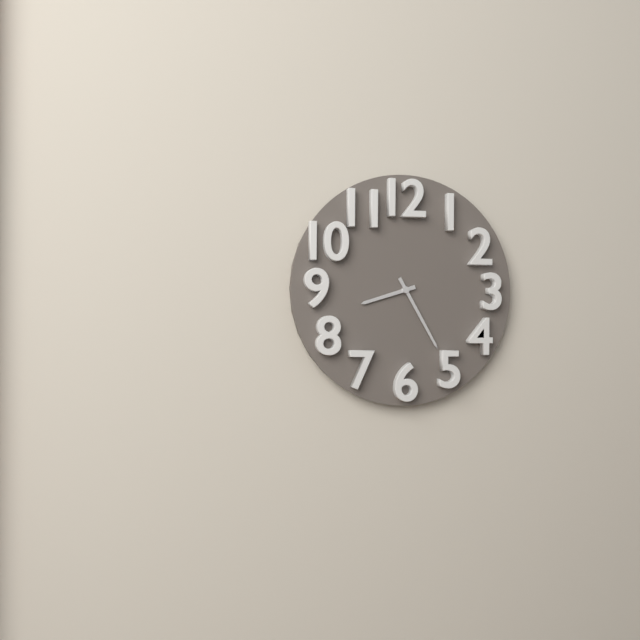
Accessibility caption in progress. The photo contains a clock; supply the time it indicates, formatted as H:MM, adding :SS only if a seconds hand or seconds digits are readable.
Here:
8:25
